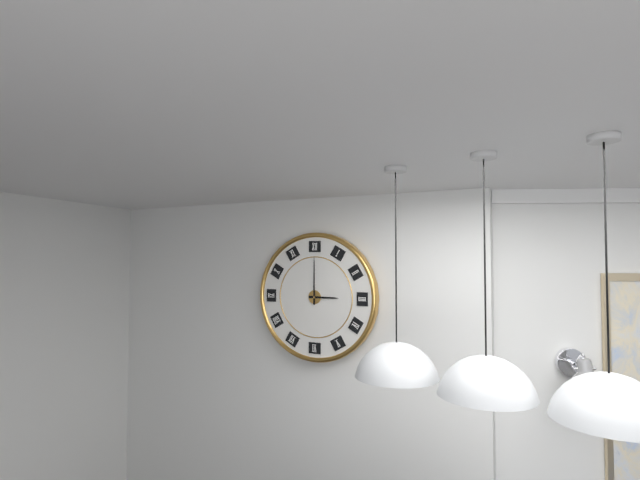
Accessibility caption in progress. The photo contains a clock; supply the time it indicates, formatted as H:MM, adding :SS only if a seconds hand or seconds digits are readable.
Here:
3:00
